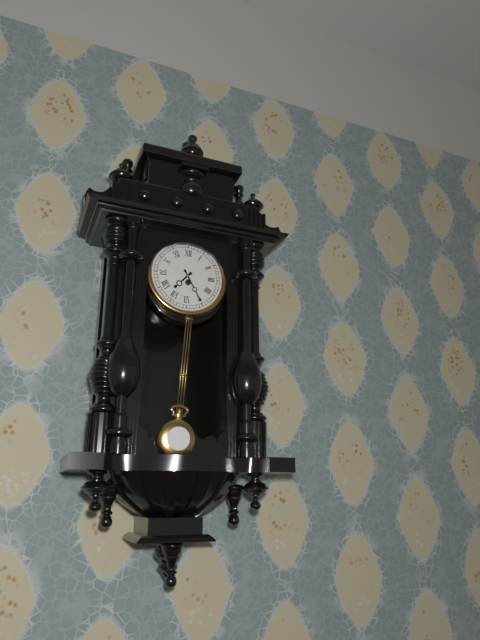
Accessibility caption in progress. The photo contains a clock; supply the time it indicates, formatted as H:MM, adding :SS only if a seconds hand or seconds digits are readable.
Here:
7:25
